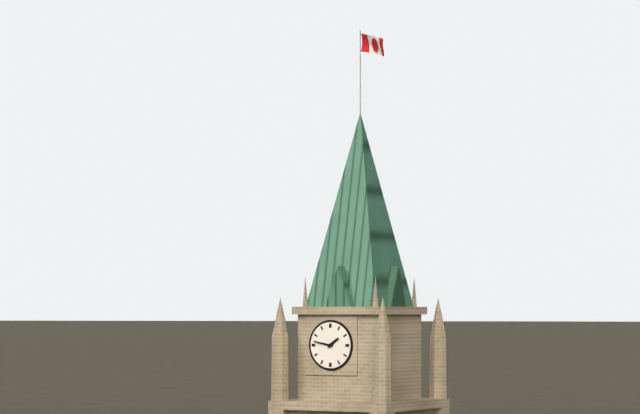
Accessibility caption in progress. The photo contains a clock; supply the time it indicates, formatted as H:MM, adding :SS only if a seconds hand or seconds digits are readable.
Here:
1:47
